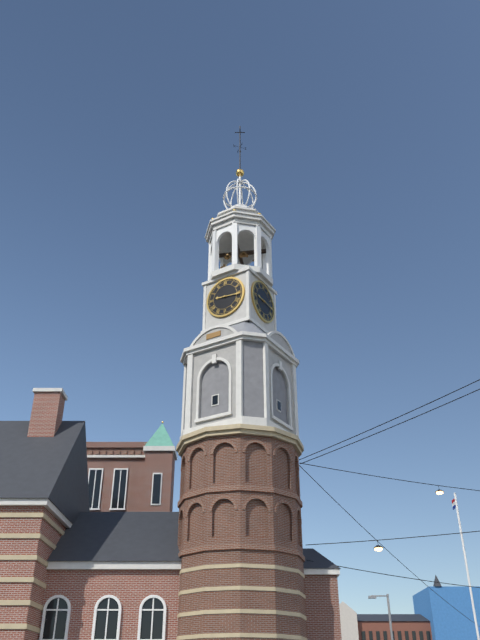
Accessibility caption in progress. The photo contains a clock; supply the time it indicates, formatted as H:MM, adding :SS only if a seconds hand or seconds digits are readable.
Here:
9:16
